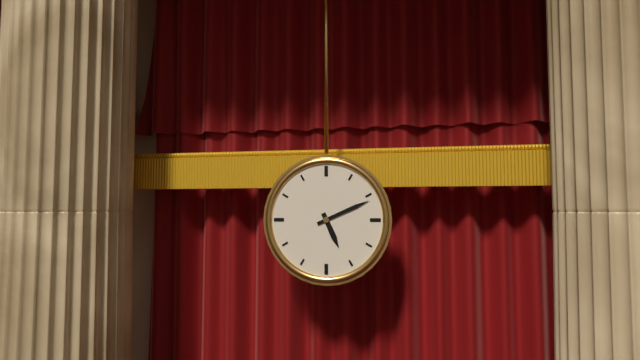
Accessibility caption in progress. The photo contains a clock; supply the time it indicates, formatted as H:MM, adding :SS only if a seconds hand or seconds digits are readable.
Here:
5:11
